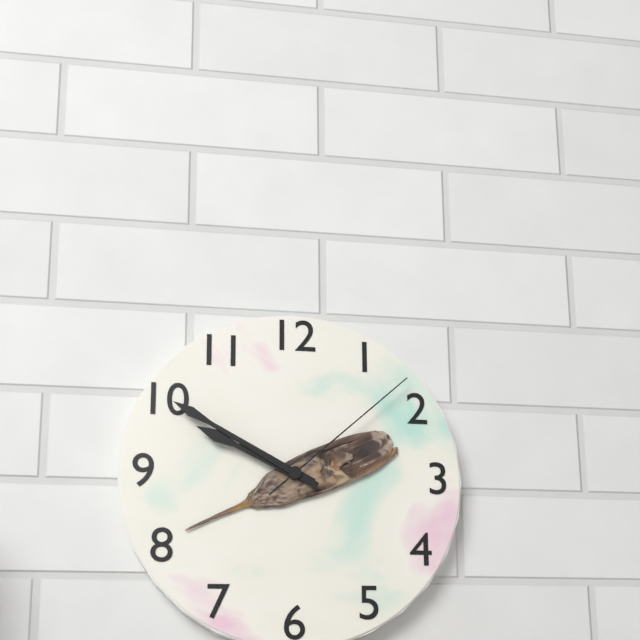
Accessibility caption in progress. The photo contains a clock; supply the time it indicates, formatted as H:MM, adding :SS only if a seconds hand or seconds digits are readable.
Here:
9:50:08
